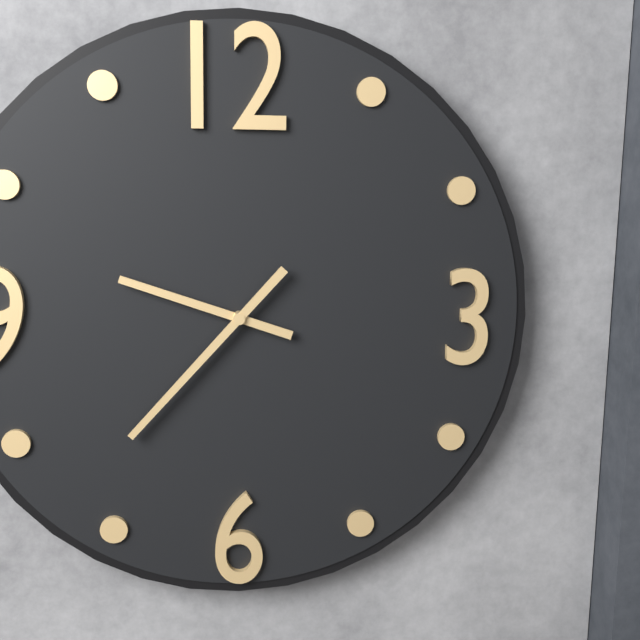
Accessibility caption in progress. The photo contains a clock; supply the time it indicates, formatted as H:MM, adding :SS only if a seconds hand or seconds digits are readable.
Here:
9:37
